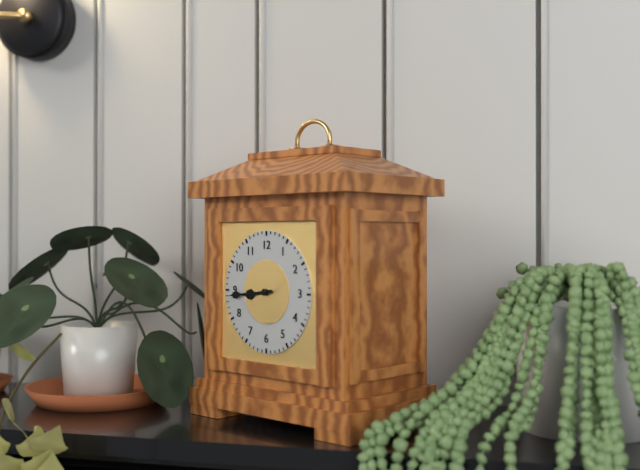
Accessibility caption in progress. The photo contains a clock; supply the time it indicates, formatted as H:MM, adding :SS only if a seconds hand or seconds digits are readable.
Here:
8:44
